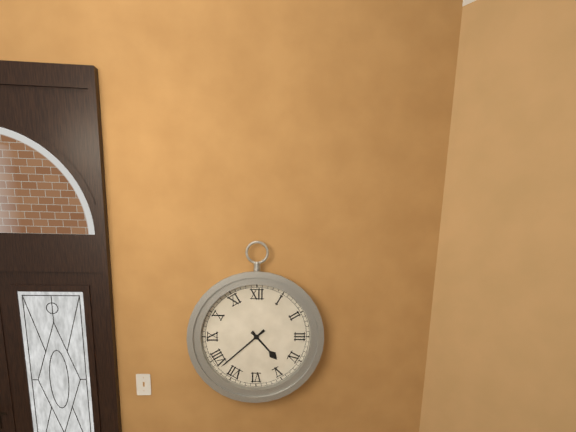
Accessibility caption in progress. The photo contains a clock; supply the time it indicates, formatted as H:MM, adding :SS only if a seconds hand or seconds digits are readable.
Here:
4:38
